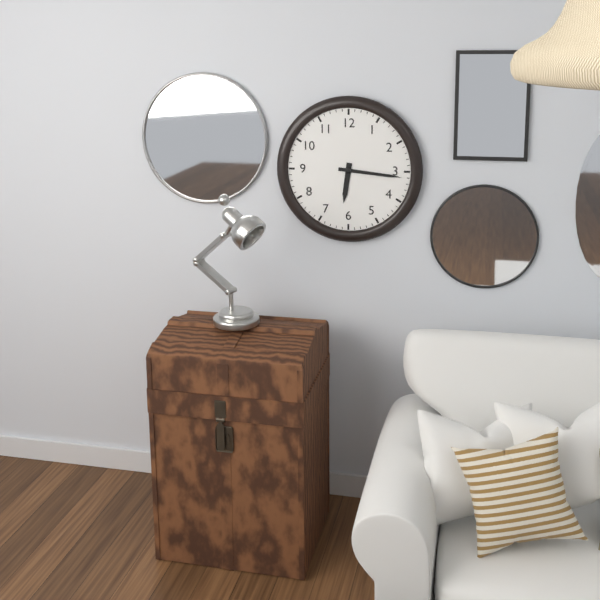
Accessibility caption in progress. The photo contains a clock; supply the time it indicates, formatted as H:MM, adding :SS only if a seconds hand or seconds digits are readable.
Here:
6:16
